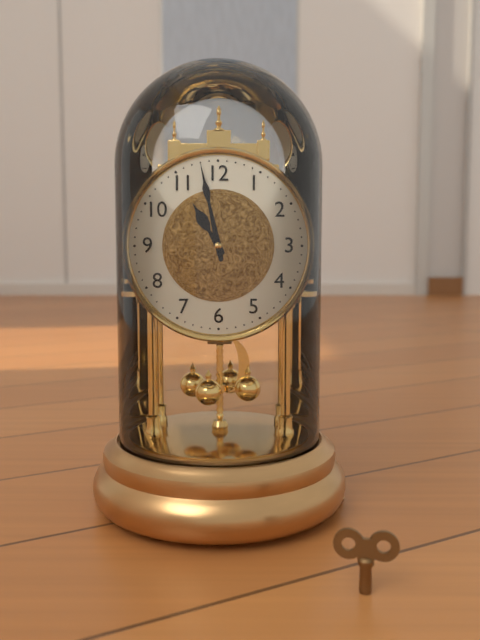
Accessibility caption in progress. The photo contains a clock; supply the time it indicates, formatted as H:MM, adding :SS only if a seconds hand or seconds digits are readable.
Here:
10:58
